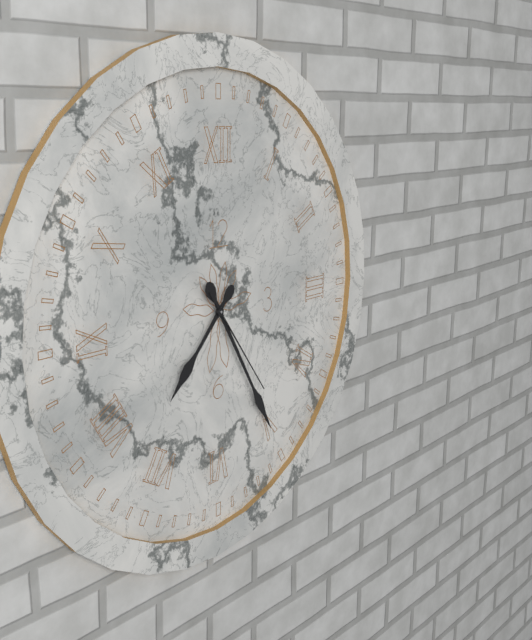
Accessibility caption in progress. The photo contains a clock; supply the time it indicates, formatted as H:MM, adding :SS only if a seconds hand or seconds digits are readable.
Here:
7:25:24
